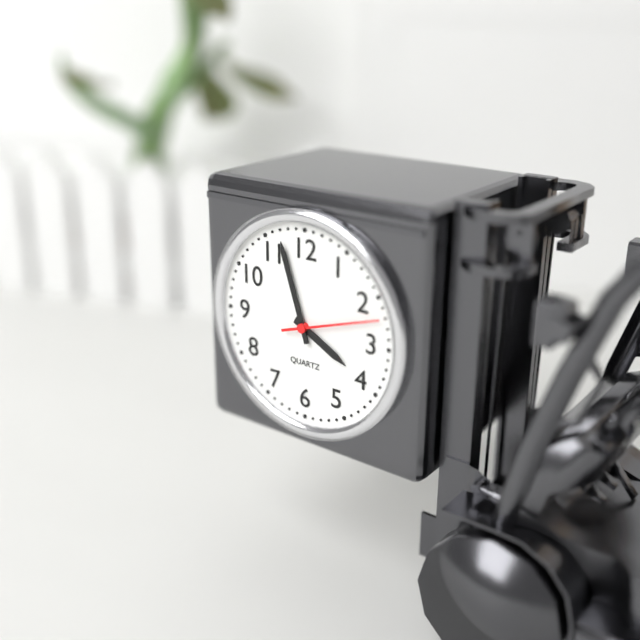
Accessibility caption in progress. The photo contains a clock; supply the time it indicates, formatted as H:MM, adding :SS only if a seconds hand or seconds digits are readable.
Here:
3:57:12
